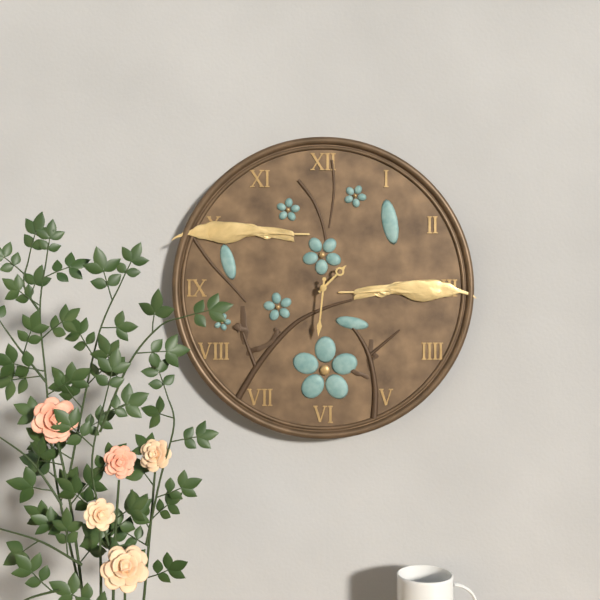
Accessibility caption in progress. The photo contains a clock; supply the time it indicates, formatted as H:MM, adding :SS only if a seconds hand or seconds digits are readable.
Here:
1:31
